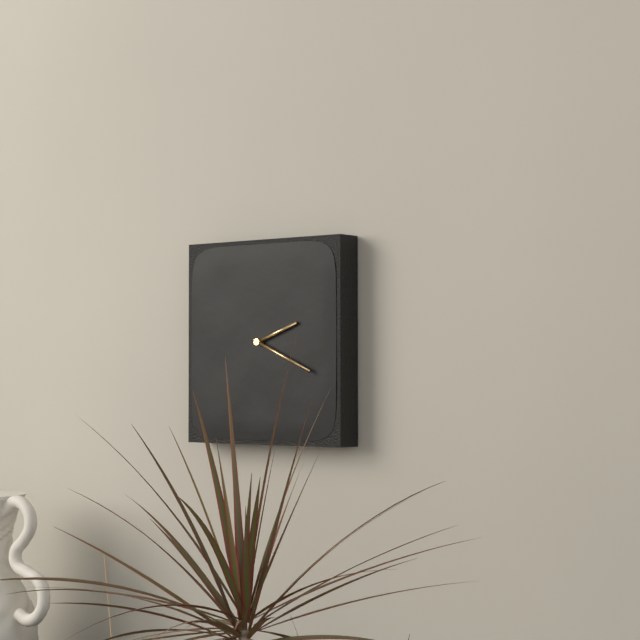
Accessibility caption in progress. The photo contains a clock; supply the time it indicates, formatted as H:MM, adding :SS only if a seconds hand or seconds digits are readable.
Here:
2:19
